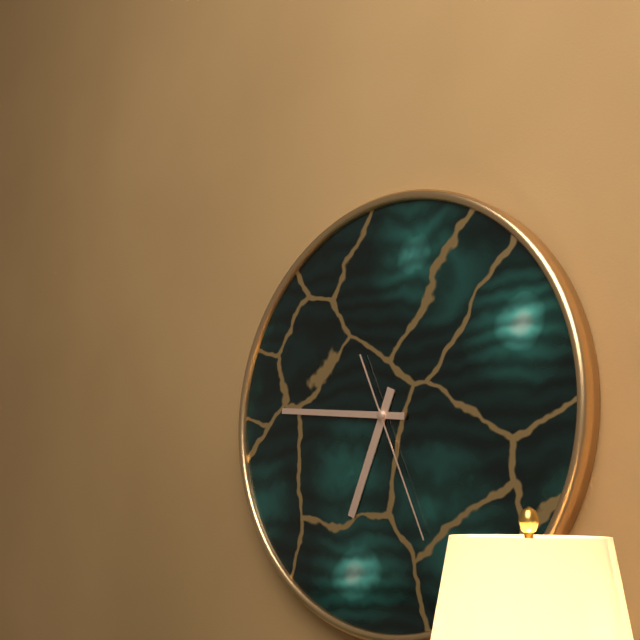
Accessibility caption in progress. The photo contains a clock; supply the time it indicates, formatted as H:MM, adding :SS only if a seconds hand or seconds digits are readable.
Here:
6:46:26
